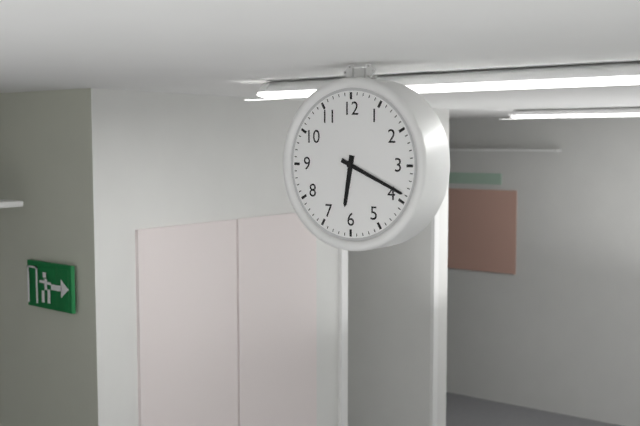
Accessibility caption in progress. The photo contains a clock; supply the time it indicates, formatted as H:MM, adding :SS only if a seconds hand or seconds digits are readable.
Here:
6:19
